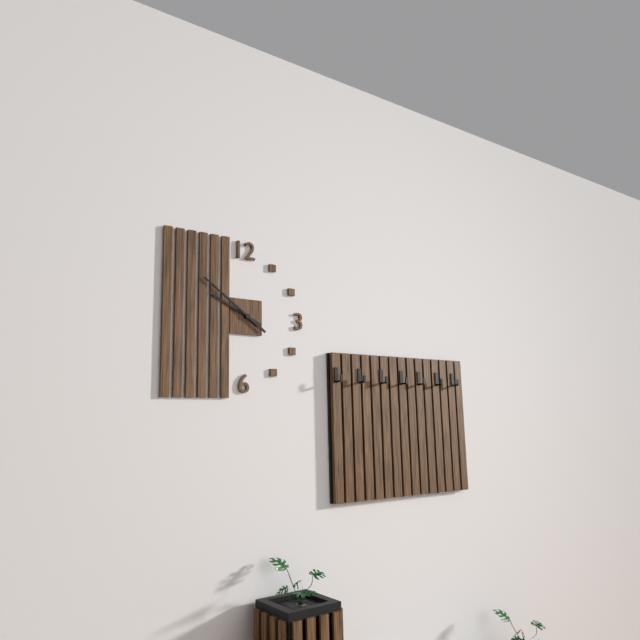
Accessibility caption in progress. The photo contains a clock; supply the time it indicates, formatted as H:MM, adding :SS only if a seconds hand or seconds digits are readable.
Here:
9:51
